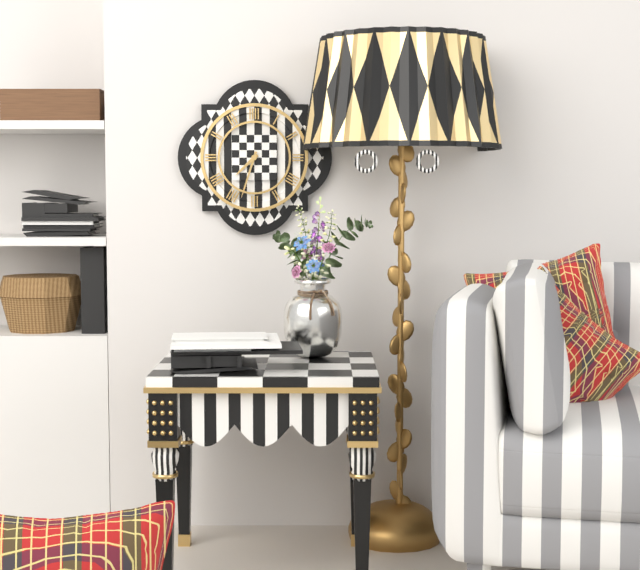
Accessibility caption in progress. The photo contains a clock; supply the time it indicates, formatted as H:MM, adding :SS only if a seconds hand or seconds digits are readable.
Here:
7:33
